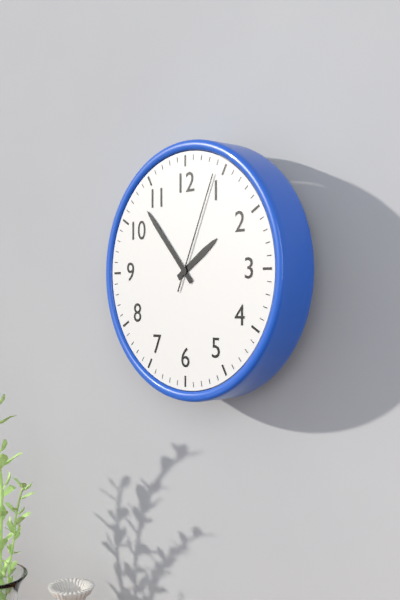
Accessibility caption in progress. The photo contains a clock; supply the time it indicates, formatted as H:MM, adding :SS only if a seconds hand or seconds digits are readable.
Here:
1:53:04
